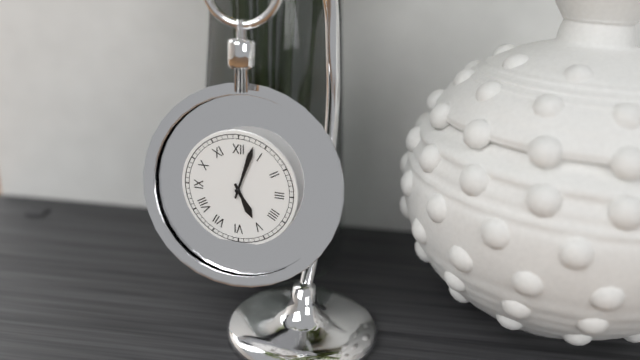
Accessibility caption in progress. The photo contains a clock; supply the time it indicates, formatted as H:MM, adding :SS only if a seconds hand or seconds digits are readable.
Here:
5:03
